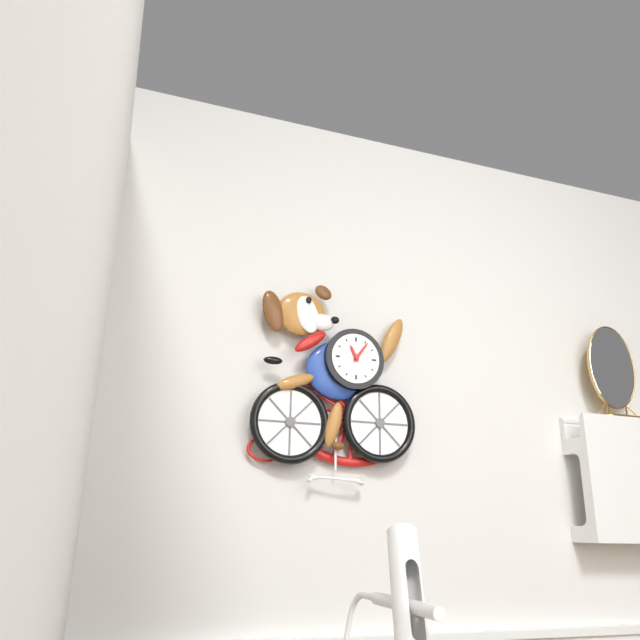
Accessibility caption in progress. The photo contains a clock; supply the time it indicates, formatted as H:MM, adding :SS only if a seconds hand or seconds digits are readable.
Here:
11:06
